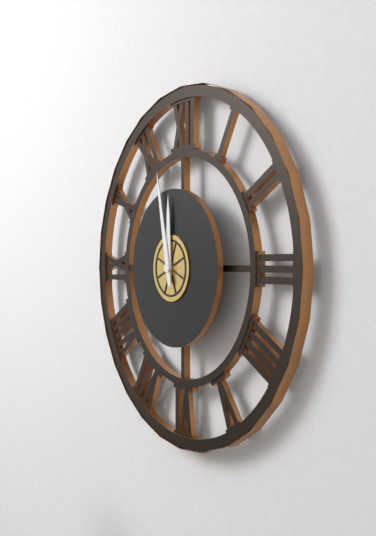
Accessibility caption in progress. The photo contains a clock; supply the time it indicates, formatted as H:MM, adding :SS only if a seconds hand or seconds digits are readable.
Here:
11:58
